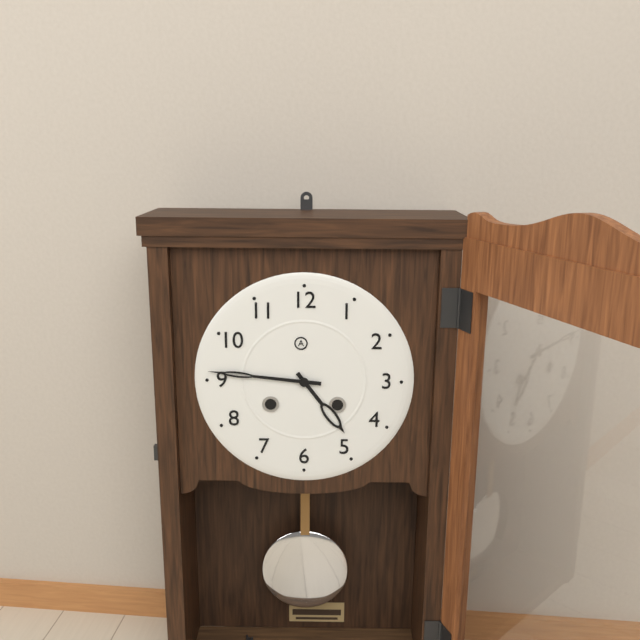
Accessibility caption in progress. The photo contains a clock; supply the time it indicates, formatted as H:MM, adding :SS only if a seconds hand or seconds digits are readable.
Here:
4:46
